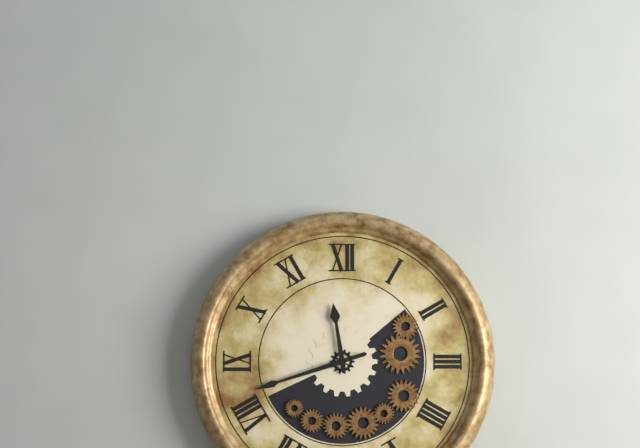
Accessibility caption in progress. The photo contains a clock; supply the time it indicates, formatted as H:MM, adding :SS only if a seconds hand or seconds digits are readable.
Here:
11:42
